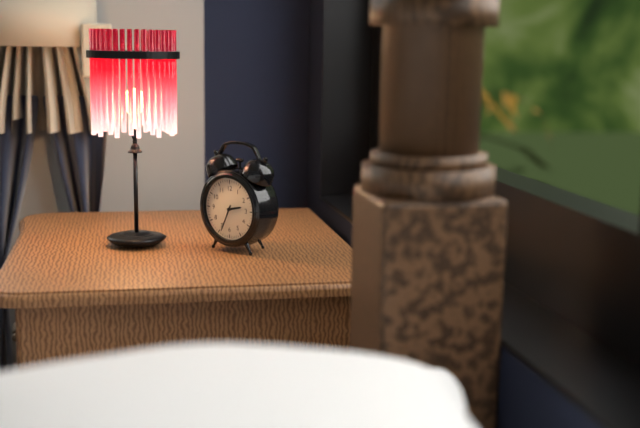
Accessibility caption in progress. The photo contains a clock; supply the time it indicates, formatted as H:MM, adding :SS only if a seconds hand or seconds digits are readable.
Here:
2:34
